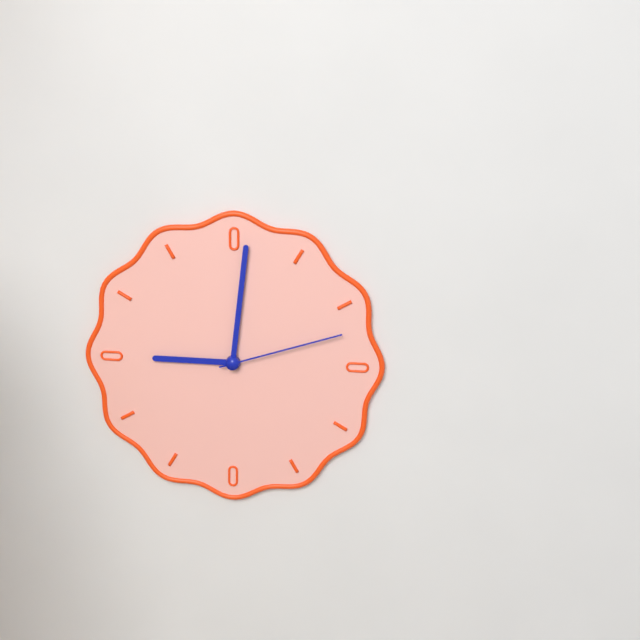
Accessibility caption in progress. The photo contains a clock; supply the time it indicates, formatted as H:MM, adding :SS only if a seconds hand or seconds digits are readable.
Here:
9:01:12
